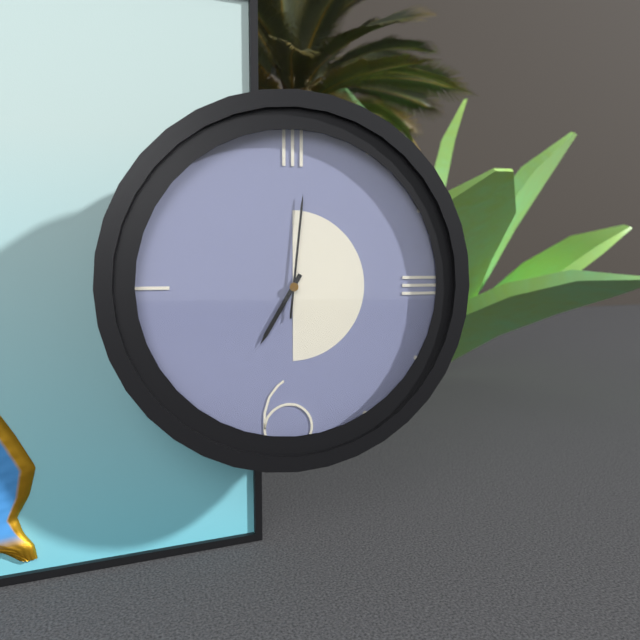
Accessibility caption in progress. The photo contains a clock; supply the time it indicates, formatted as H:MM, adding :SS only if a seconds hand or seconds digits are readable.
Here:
7:01
